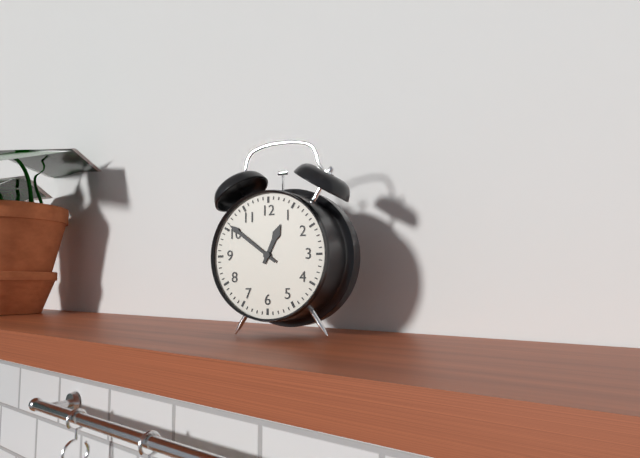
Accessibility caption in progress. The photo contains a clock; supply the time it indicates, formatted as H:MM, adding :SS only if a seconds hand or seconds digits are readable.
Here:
12:51
